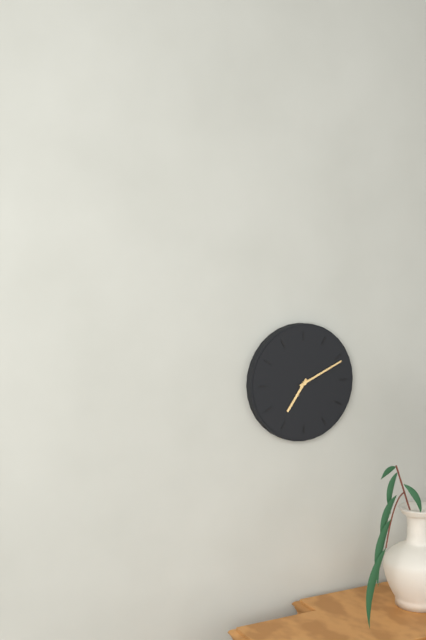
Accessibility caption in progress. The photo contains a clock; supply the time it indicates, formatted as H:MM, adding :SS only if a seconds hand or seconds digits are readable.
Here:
7:11
